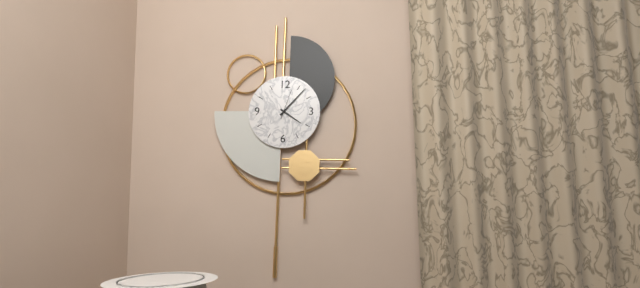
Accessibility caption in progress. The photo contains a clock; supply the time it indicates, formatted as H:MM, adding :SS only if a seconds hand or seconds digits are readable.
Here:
4:07
